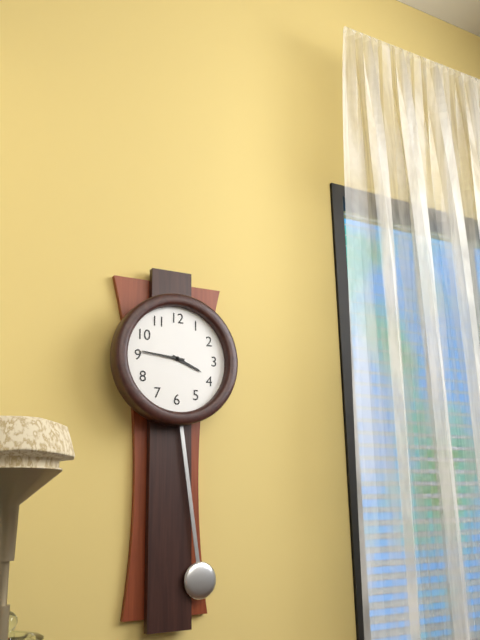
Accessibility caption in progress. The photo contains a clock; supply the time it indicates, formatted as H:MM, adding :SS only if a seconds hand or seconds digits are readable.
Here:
3:46
